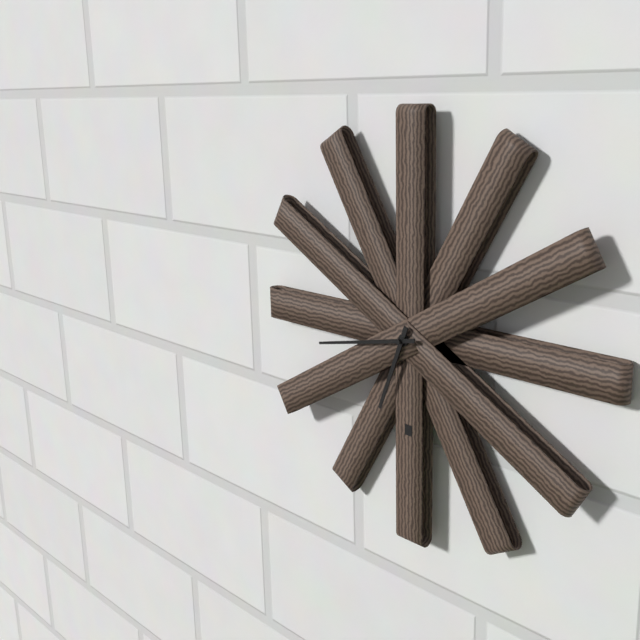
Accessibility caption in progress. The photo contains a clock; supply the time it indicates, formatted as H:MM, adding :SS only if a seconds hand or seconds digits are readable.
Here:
6:43
